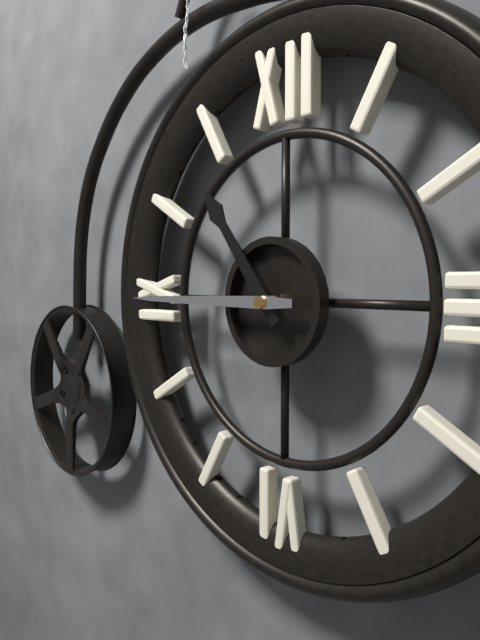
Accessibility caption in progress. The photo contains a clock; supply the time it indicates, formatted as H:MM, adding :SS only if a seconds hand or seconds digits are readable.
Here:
10:45
